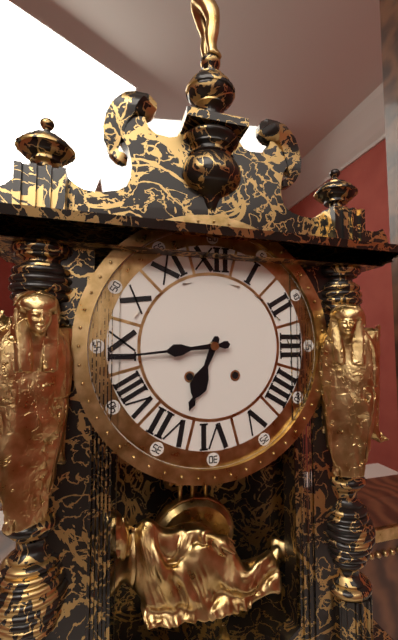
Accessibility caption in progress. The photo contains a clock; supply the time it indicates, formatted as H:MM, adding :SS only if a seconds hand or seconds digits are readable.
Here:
6:44
